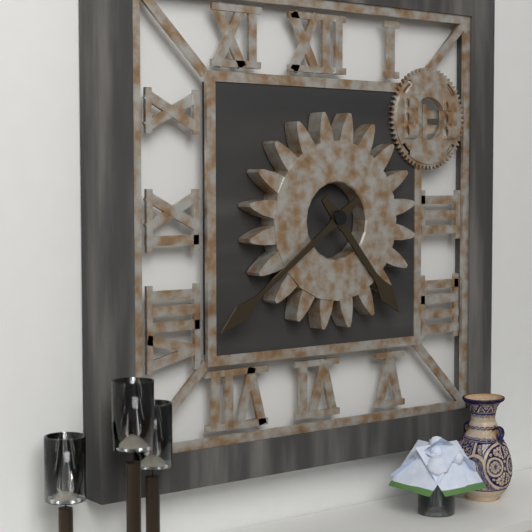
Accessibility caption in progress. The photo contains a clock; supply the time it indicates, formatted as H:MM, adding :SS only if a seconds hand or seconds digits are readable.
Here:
4:39
